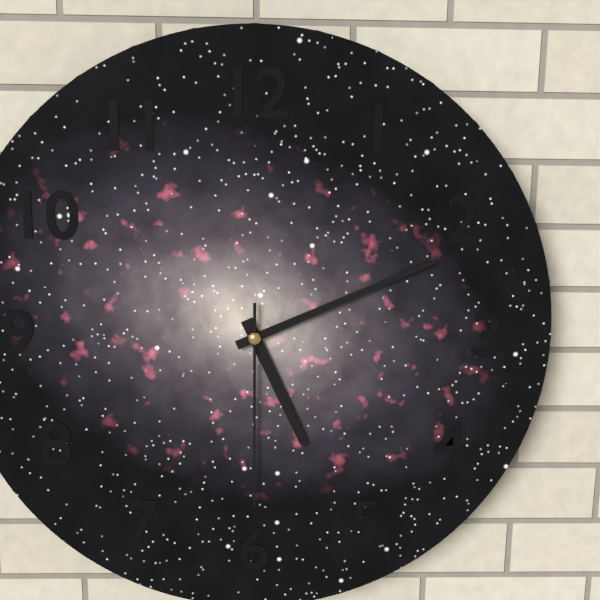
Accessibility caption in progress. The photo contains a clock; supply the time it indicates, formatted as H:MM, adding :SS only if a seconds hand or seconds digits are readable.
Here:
5:11:30
